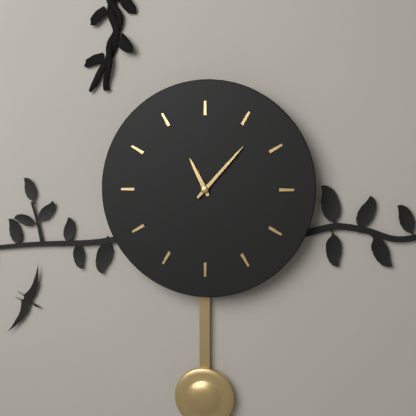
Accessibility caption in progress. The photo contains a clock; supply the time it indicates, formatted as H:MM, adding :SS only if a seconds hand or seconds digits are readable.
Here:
11:07
